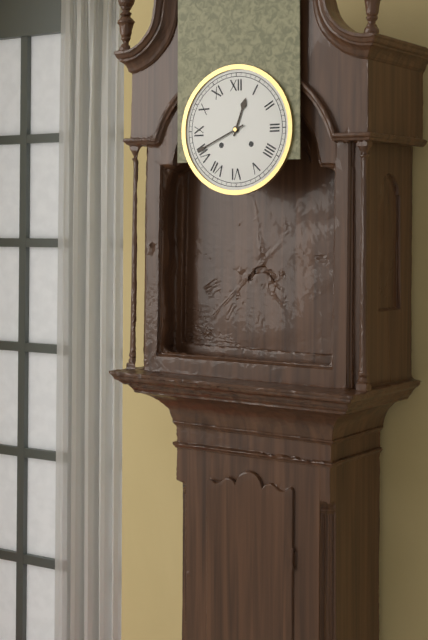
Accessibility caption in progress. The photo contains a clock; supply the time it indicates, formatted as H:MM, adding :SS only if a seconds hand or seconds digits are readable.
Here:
12:41
